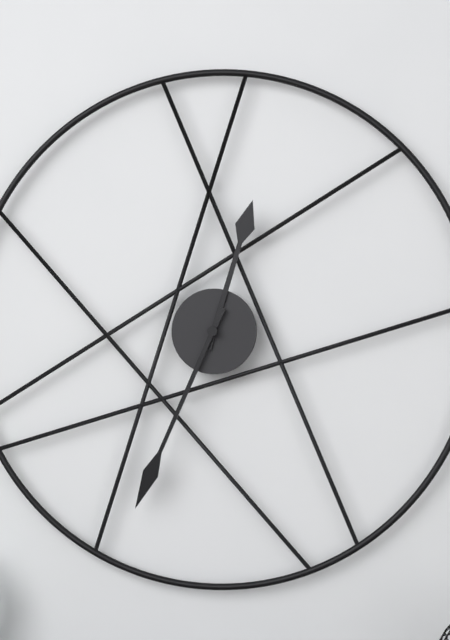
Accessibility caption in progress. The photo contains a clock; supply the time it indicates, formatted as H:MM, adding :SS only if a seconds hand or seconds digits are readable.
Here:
12:34
